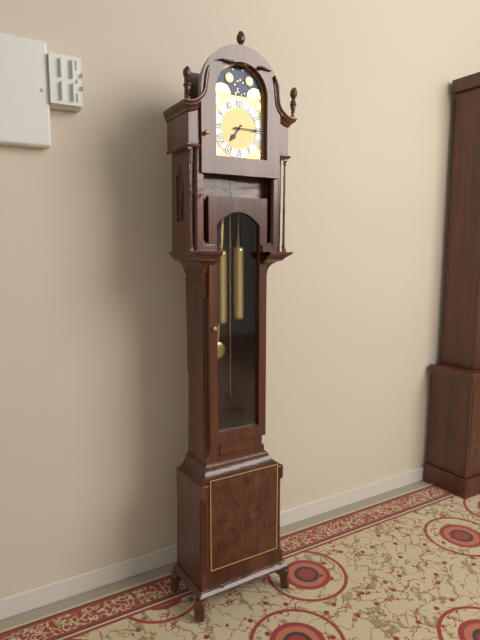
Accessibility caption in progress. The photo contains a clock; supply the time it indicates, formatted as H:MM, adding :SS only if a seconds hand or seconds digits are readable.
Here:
7:15
